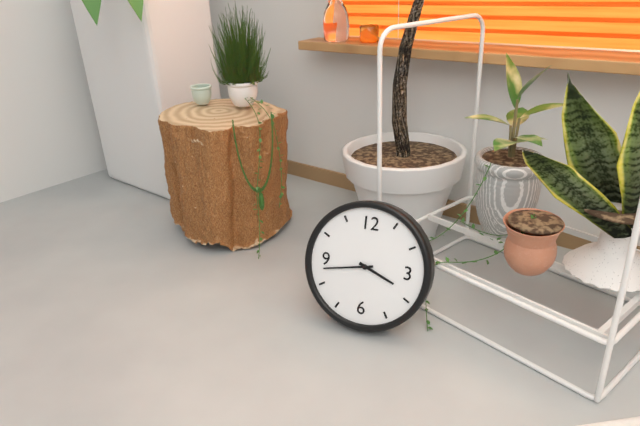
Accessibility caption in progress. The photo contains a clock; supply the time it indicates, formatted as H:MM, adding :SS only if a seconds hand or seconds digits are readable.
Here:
3:43
